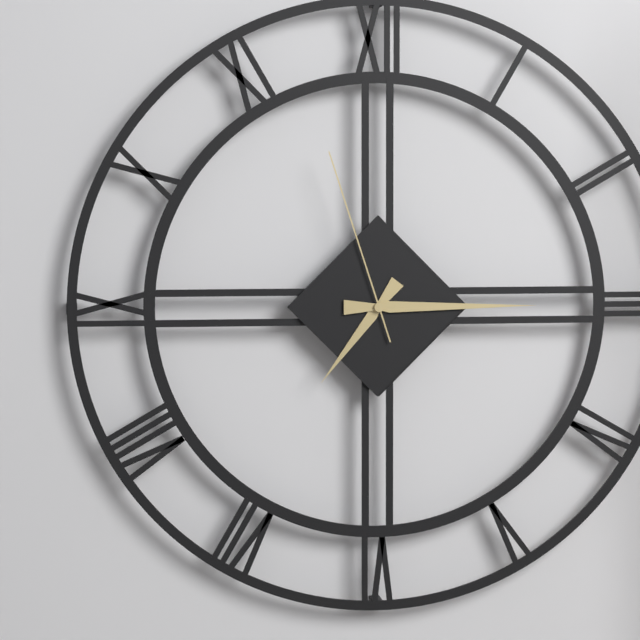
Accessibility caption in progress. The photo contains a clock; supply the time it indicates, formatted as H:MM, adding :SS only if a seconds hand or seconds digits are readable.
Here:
7:15:57
